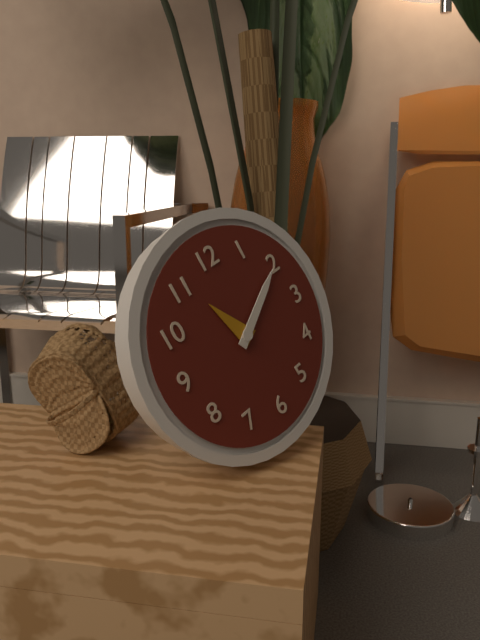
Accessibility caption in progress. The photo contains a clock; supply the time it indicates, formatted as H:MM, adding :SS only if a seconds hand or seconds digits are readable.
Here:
11:10
